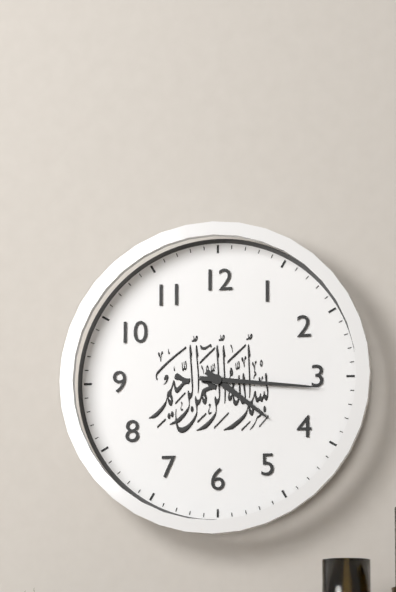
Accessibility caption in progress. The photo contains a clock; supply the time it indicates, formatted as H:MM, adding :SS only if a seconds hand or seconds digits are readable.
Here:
4:16
